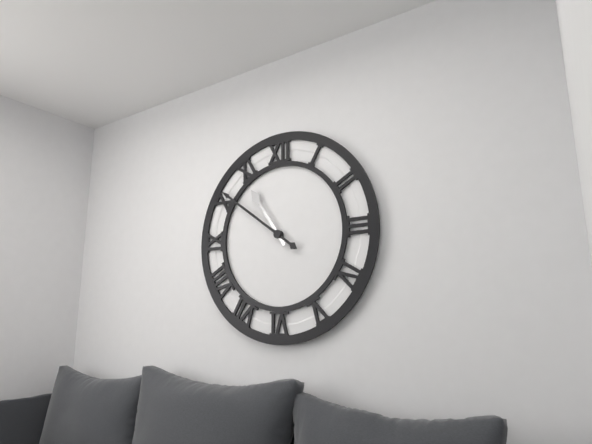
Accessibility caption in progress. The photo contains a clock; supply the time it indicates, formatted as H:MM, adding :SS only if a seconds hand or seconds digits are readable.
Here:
10:51
